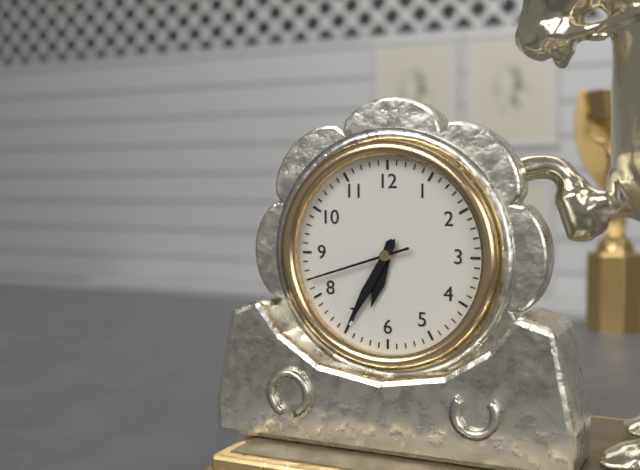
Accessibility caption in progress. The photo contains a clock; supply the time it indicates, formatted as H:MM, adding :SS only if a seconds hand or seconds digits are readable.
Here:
6:35:42
